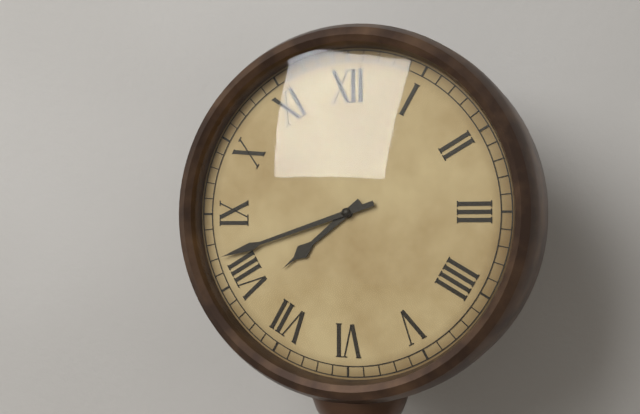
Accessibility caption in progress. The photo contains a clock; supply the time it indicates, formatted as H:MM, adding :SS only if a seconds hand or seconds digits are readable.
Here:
7:42
